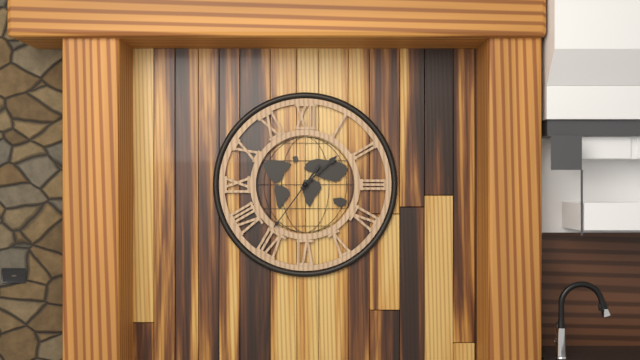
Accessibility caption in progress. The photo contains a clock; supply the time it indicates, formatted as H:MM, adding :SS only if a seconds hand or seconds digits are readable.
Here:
1:36
